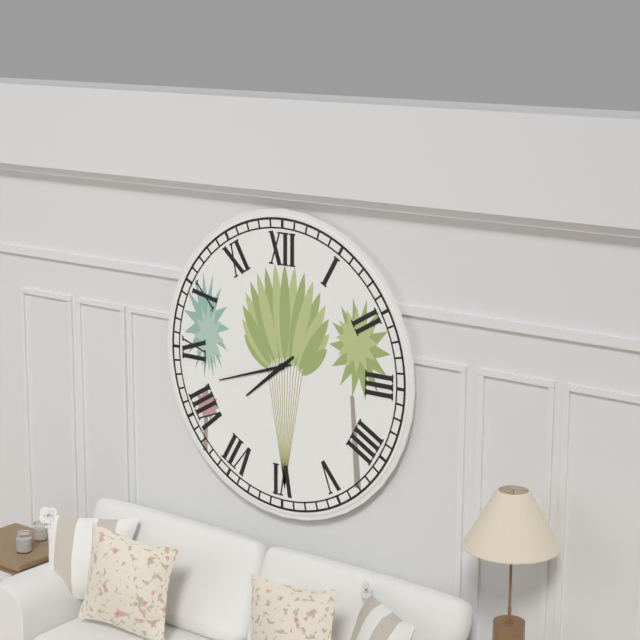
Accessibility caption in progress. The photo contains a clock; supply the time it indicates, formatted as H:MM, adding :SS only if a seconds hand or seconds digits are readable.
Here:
7:42
